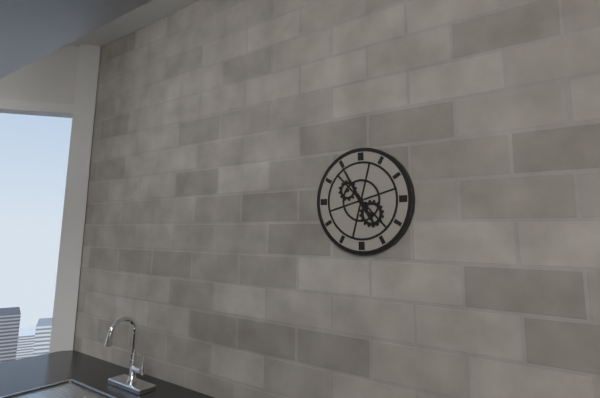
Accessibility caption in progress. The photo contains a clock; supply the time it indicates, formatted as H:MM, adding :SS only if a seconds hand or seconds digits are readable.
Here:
4:55
